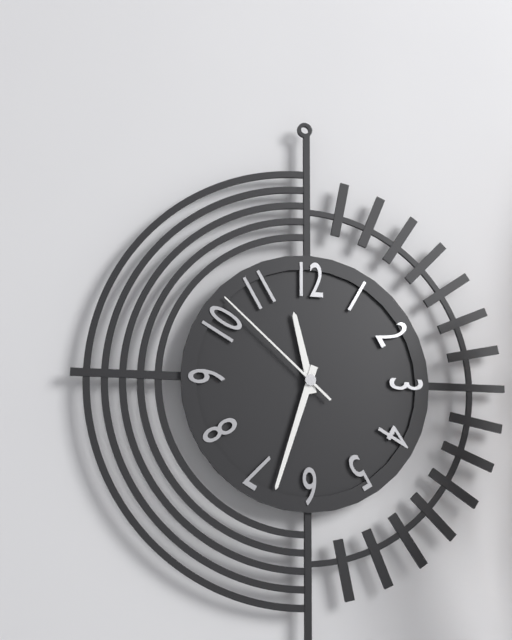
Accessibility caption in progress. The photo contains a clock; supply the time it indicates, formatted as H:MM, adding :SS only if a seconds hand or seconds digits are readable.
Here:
11:33:52
